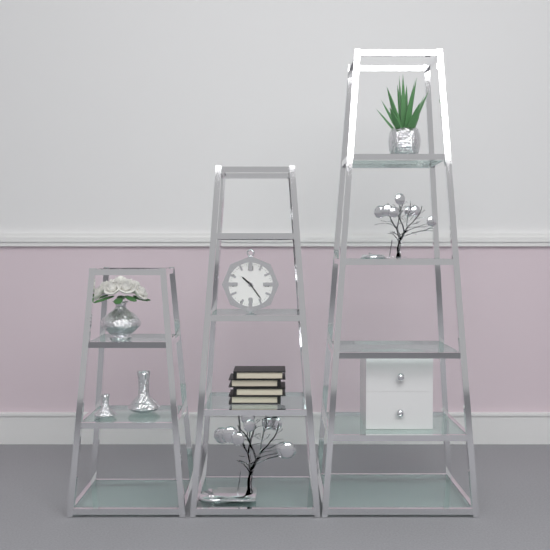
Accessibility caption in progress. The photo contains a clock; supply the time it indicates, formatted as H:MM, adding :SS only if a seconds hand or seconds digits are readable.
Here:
10:24
